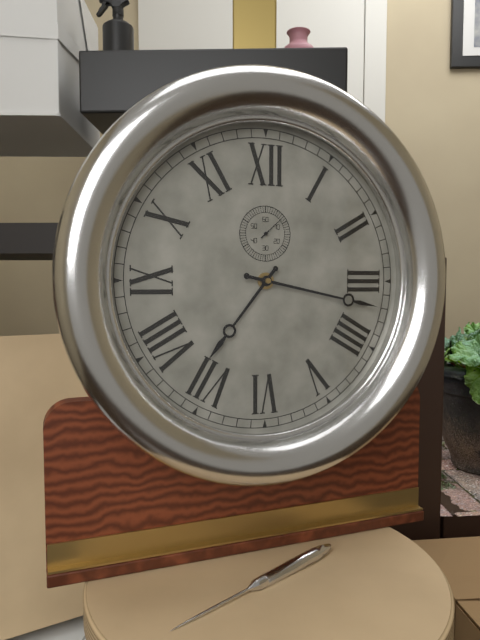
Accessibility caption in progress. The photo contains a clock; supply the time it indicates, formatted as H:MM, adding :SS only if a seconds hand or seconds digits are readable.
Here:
7:17
